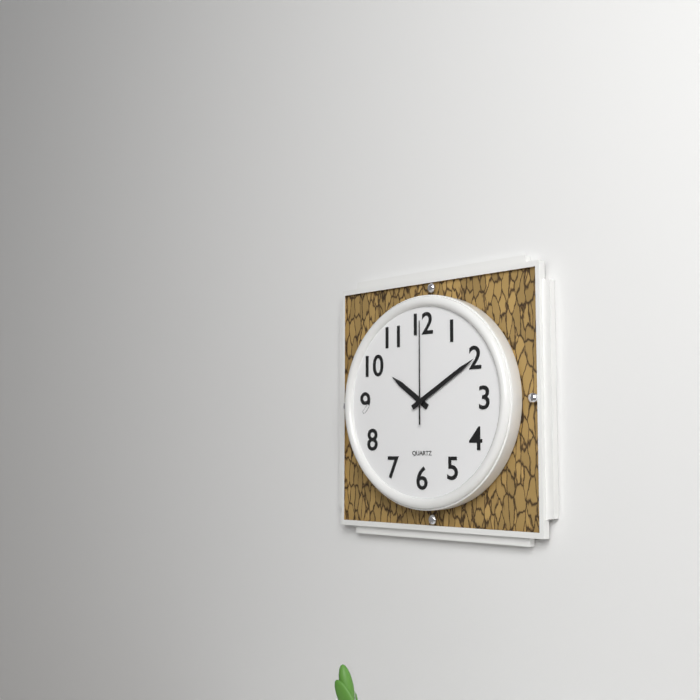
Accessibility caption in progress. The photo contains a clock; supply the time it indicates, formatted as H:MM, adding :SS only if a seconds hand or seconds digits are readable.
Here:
10:10:00
